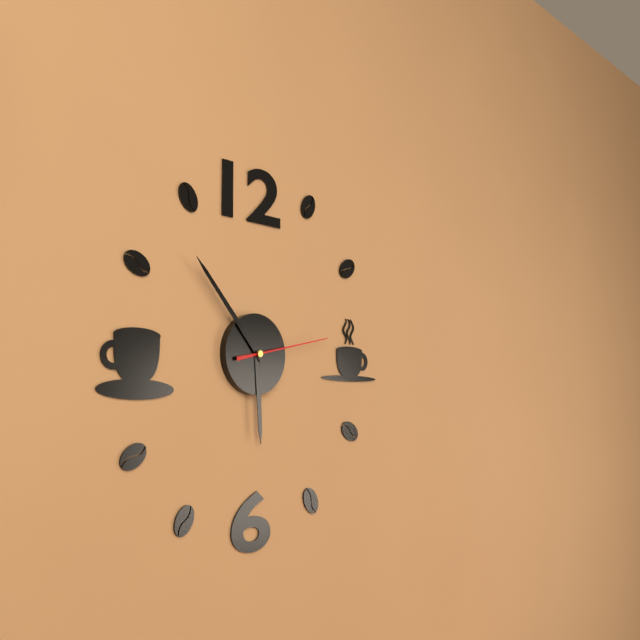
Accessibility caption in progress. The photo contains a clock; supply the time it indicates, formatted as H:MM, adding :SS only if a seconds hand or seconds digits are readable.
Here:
5:53:13
